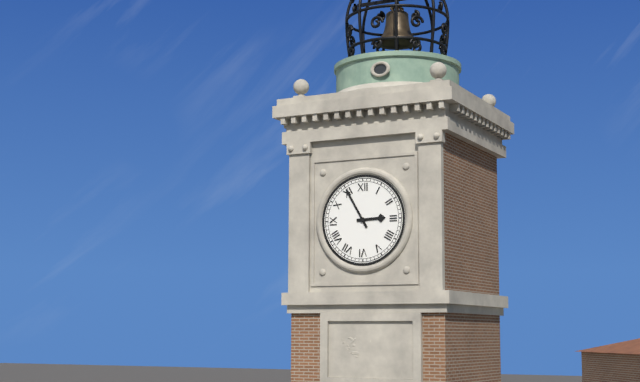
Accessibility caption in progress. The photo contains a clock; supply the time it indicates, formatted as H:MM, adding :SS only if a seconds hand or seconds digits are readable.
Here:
2:55
